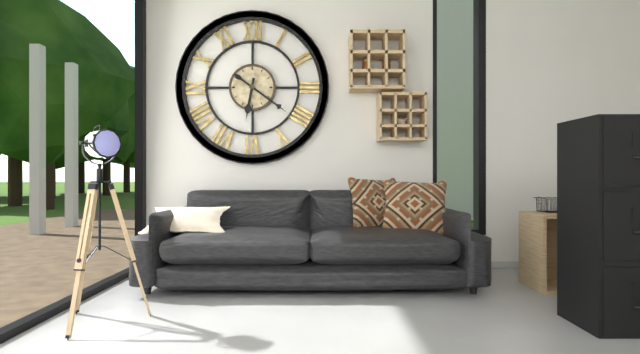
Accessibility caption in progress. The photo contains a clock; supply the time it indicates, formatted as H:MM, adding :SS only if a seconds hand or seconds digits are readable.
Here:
6:21
